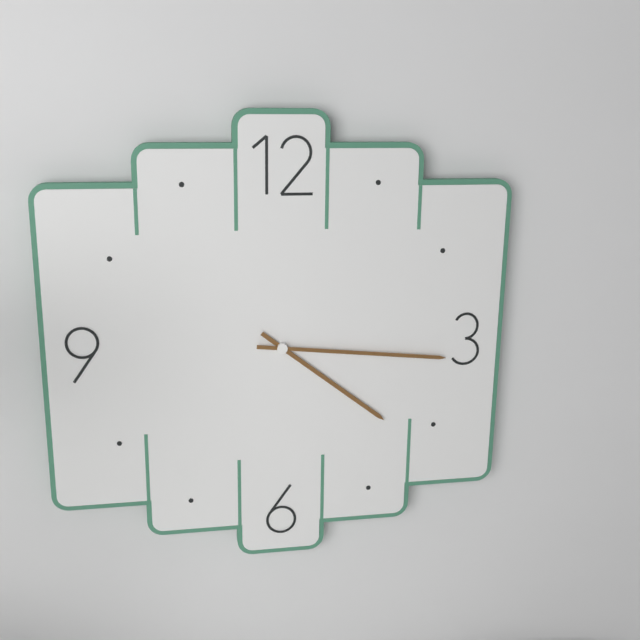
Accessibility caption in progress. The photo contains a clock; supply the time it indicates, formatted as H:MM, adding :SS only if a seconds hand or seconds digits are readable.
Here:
4:16
